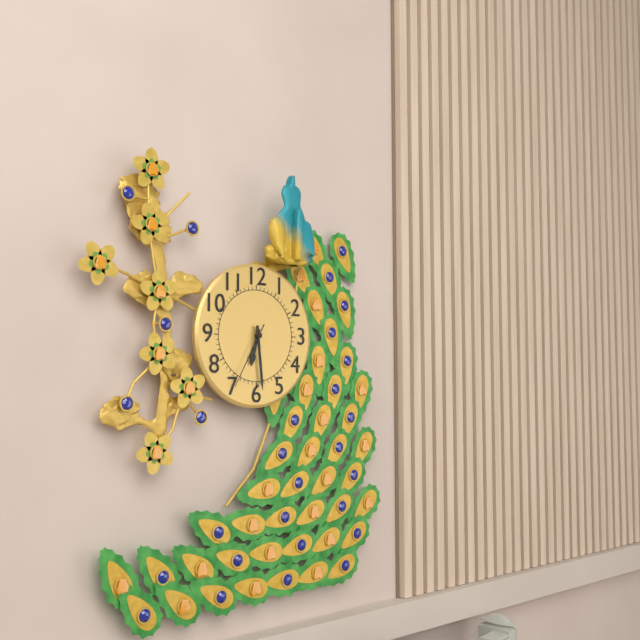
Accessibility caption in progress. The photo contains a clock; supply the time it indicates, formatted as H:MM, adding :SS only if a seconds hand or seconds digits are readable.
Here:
6:29:35
